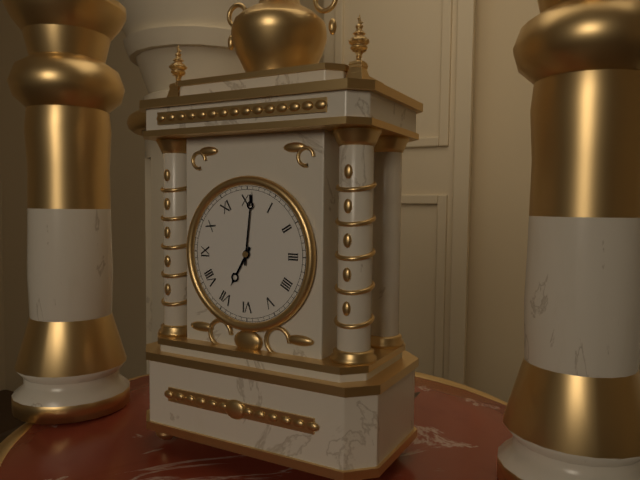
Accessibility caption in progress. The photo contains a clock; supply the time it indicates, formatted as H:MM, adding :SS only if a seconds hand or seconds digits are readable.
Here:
7:01
